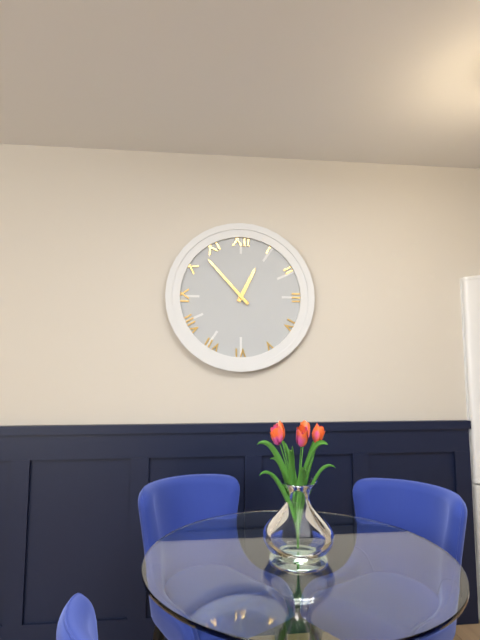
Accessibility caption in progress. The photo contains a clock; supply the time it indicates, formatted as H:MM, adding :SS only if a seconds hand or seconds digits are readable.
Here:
12:53
